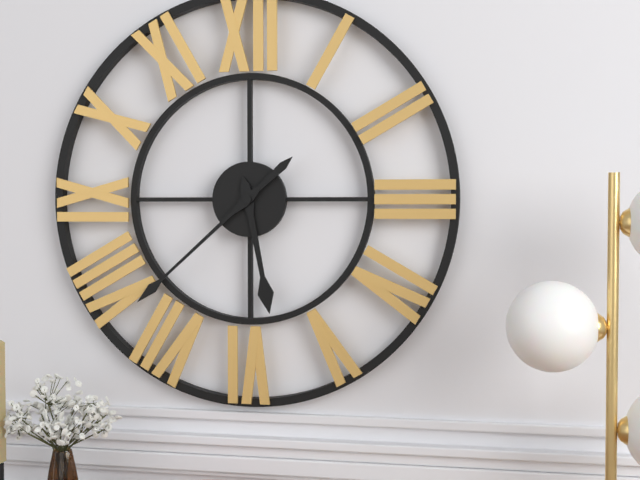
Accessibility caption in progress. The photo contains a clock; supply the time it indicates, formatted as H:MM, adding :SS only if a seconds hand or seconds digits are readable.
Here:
5:38
